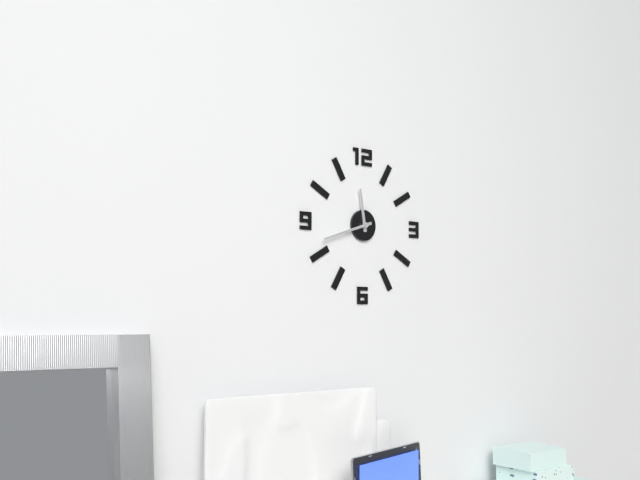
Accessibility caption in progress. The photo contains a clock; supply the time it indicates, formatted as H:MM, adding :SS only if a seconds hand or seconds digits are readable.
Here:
11:42
